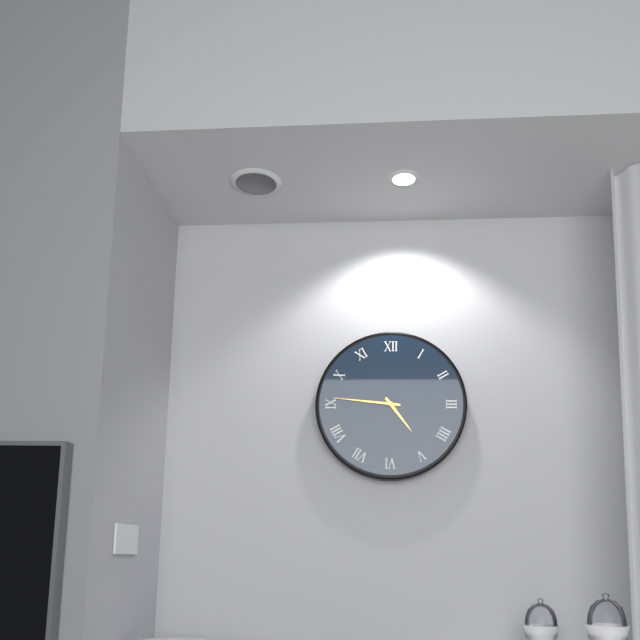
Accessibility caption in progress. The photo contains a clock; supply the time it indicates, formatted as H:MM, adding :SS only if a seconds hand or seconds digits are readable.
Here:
4:46
